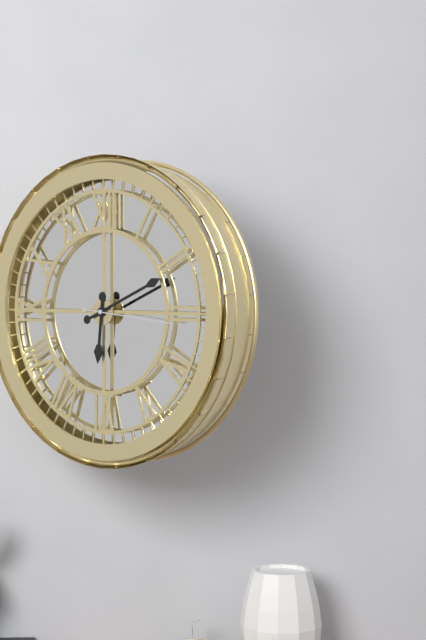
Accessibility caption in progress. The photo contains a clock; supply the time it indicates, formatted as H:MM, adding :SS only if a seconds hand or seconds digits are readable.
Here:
6:11:16
